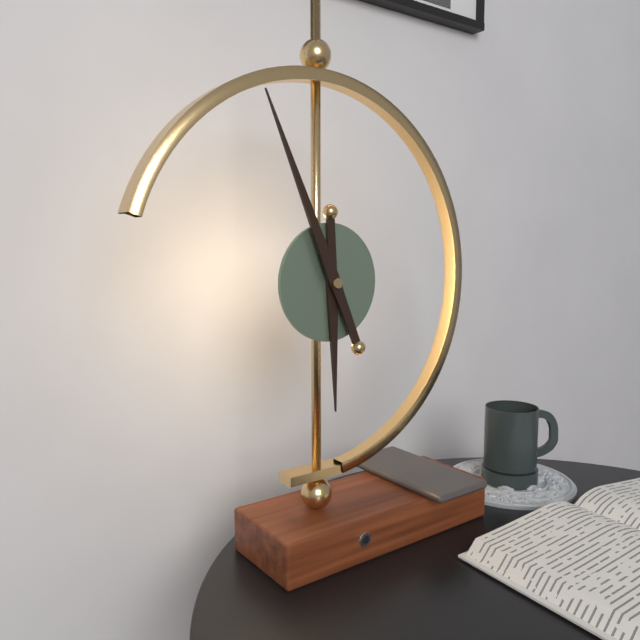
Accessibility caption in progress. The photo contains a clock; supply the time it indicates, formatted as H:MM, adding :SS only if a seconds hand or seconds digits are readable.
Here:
5:56
